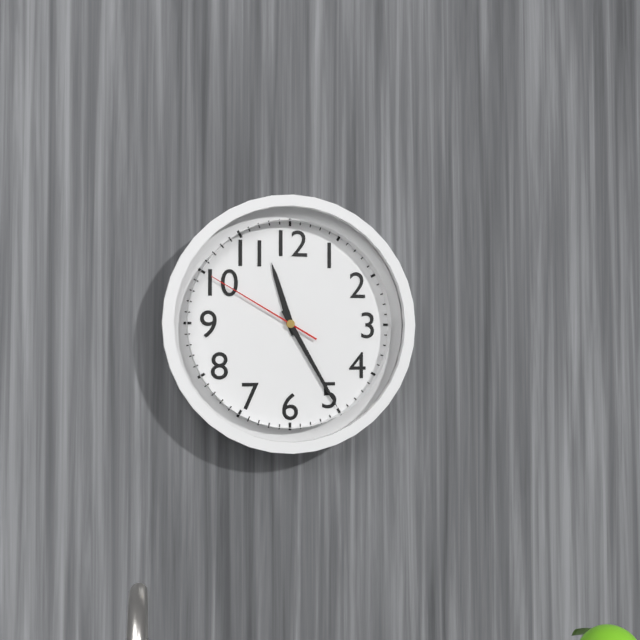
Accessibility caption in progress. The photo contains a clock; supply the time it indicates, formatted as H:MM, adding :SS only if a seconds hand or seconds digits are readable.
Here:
11:25:50
